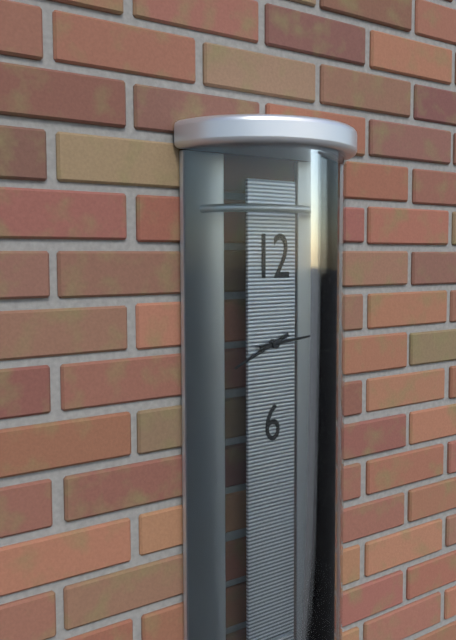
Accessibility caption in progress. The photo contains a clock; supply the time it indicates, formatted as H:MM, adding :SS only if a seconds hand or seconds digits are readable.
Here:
8:14
